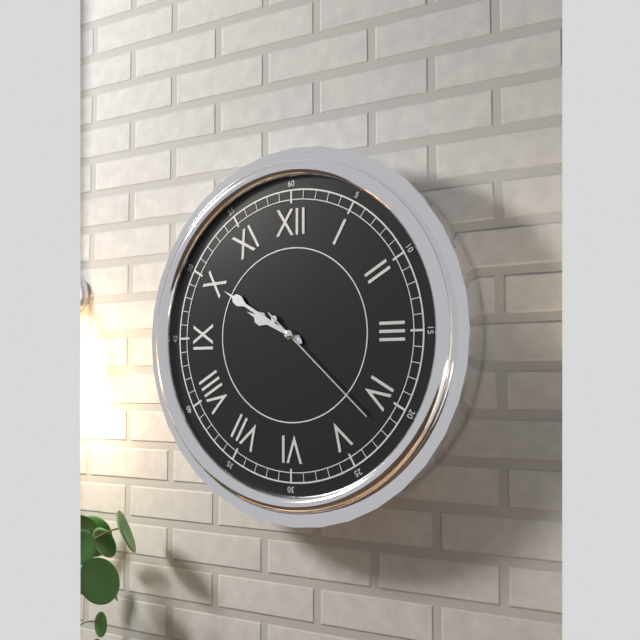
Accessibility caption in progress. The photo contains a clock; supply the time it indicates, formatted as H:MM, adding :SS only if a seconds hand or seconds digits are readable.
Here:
9:50:22
